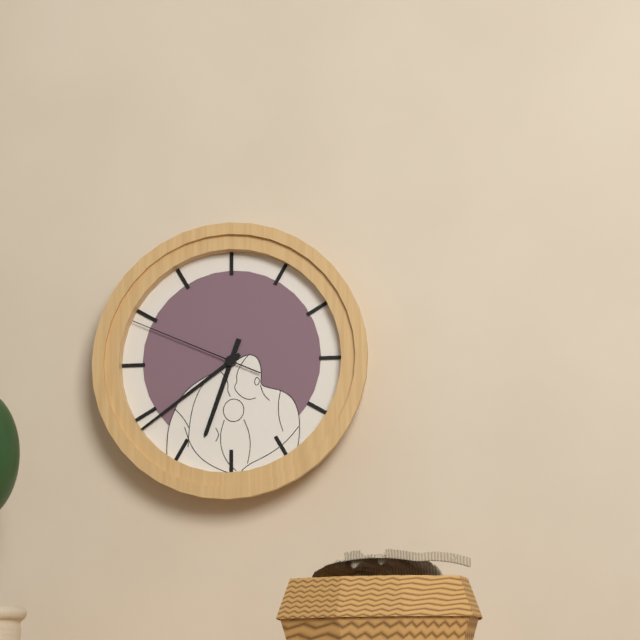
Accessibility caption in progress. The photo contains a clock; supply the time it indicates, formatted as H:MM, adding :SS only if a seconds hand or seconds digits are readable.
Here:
6:39:49
